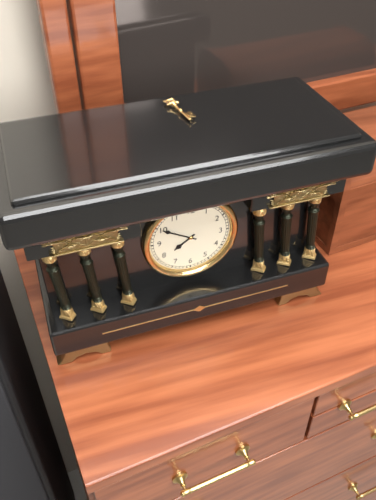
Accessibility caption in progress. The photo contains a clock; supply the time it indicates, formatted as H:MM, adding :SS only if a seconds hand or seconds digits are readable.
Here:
7:50
